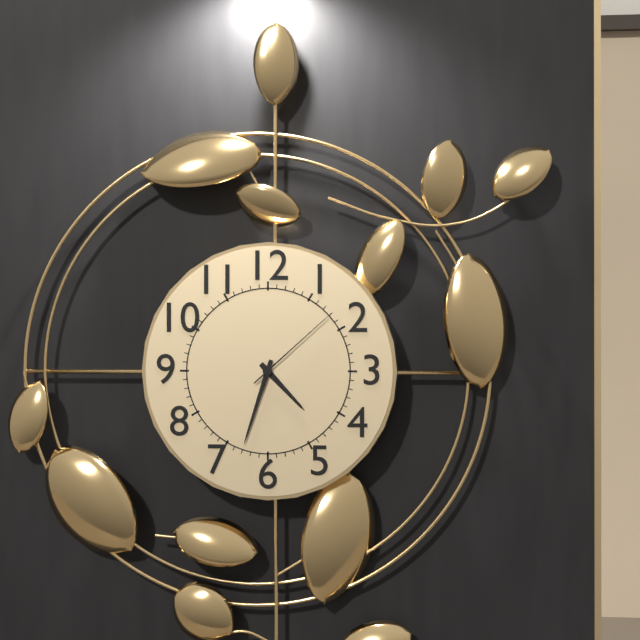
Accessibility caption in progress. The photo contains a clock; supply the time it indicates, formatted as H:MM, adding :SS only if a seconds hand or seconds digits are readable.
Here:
4:33:08
